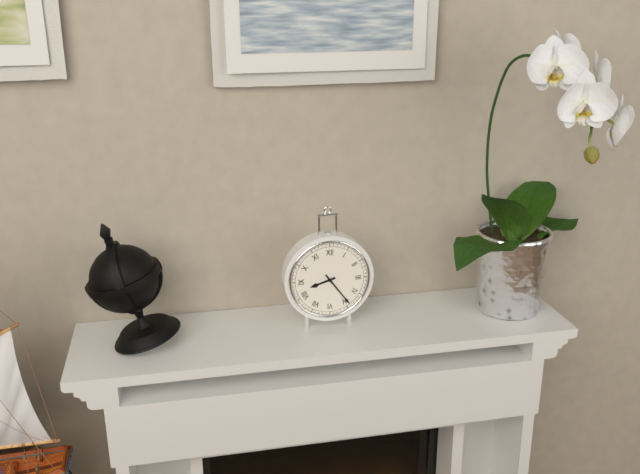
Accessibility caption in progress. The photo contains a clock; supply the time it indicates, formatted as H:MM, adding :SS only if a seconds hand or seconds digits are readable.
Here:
8:24
